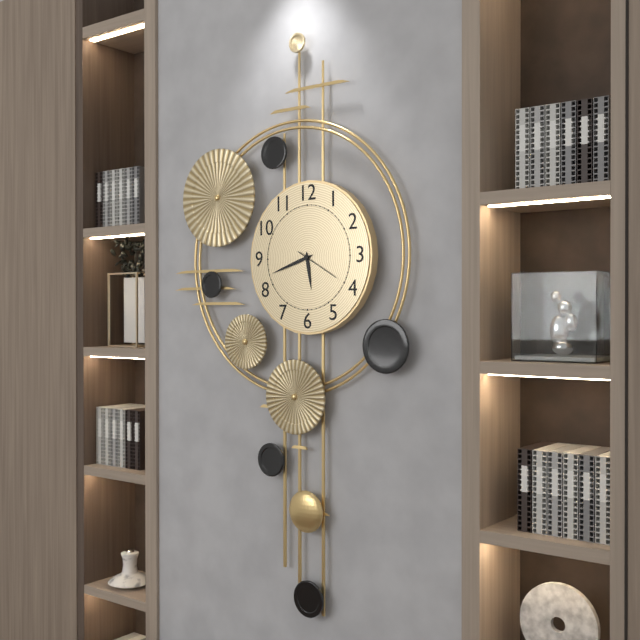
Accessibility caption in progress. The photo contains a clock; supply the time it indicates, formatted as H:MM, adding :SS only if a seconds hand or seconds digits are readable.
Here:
5:42
